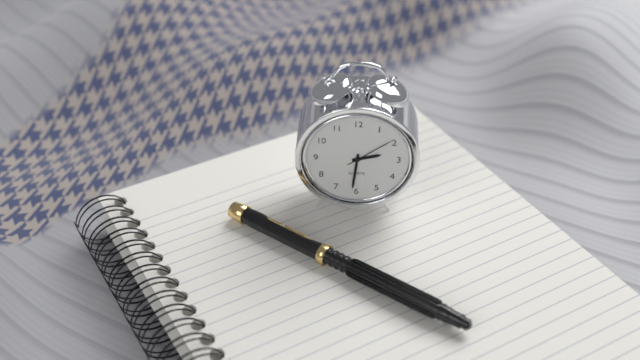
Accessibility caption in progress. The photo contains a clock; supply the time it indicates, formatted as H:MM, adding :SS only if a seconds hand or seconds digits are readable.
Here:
2:31:09
